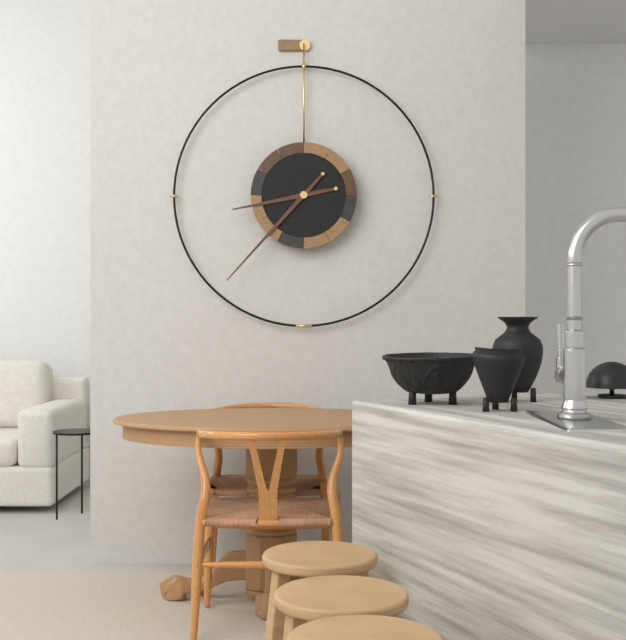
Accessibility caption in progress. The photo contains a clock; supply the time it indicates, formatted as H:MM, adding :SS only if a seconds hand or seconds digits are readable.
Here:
8:37
